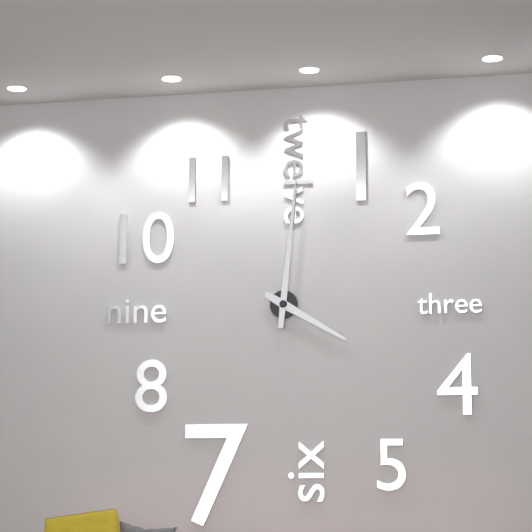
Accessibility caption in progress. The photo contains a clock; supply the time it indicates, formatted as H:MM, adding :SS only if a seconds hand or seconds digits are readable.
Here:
4:01
